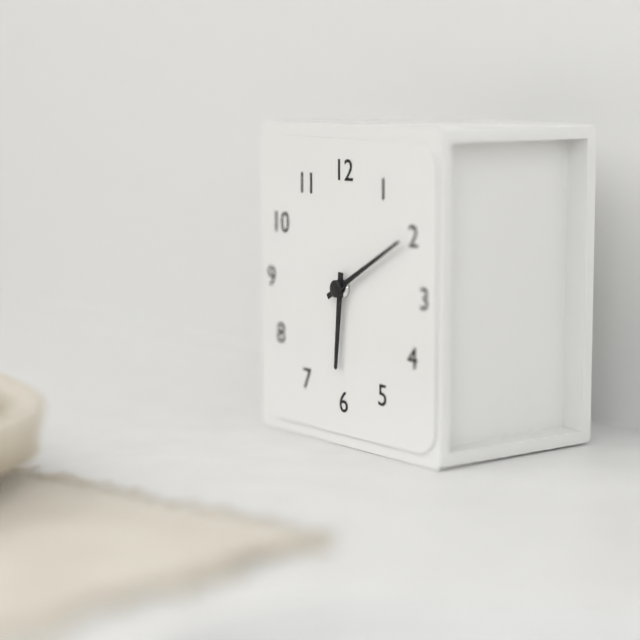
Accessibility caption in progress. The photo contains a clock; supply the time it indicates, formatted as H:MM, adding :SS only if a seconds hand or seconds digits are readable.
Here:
6:10
